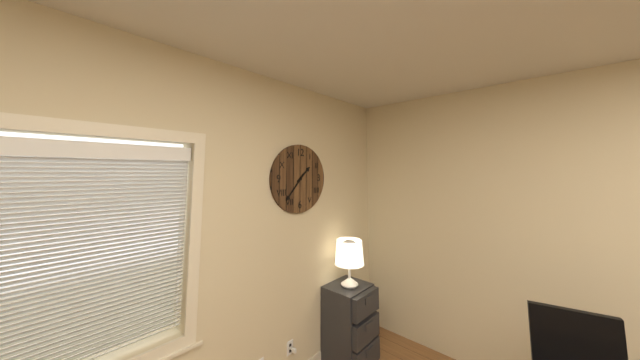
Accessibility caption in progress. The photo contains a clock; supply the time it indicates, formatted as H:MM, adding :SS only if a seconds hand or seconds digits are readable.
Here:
1:37
